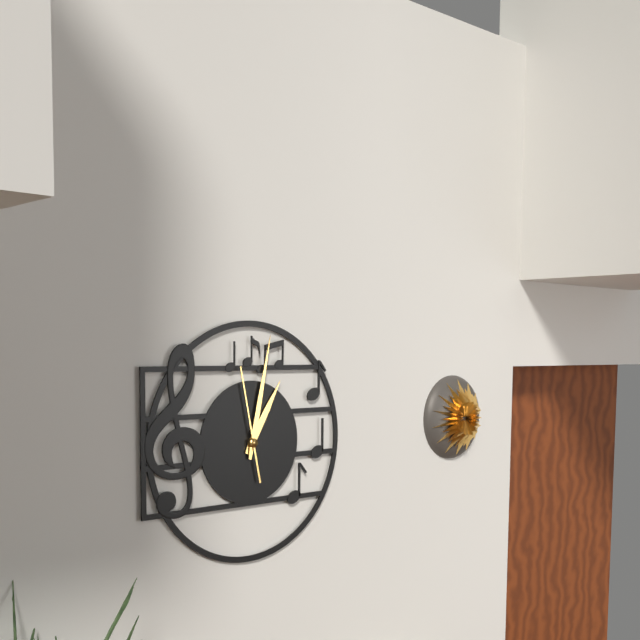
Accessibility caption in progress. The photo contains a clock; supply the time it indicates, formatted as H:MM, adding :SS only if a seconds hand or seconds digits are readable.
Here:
1:02:58
